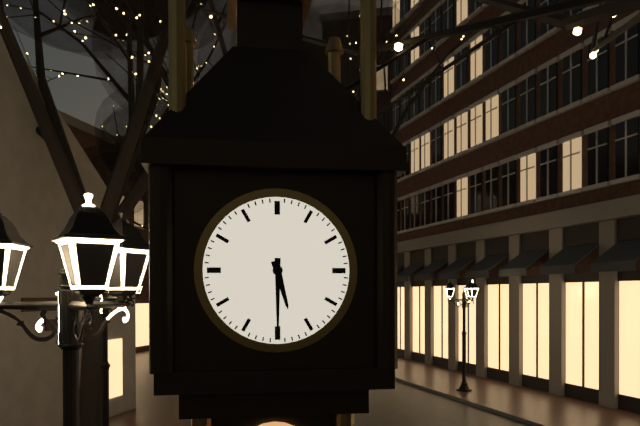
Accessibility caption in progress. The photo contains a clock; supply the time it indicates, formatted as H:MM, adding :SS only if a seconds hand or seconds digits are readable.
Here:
5:30
